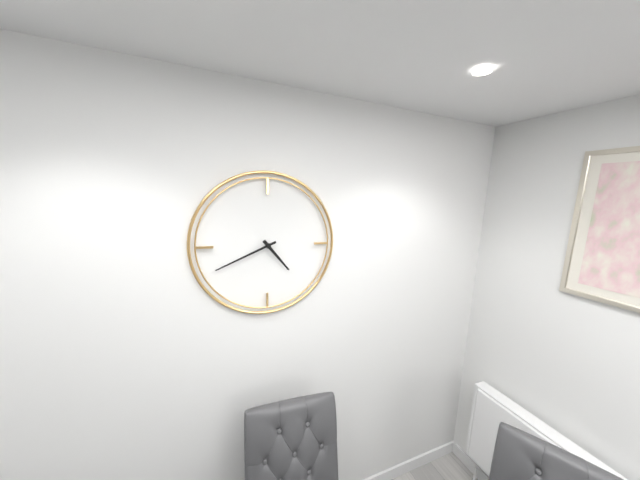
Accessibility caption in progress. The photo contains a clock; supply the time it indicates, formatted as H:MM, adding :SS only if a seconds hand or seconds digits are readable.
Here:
4:41
